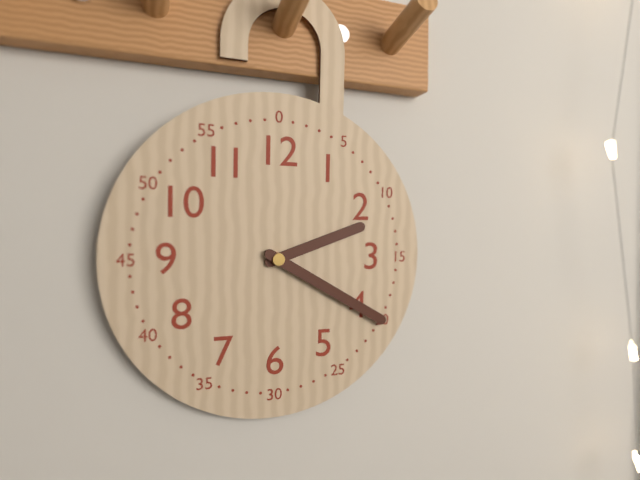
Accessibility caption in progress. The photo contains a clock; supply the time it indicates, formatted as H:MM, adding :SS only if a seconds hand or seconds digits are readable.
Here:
2:20
